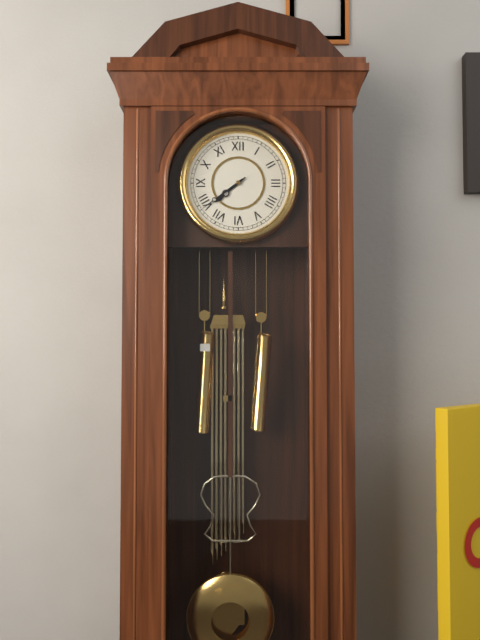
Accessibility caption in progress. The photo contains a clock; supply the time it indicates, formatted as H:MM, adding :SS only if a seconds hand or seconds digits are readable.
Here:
7:39
